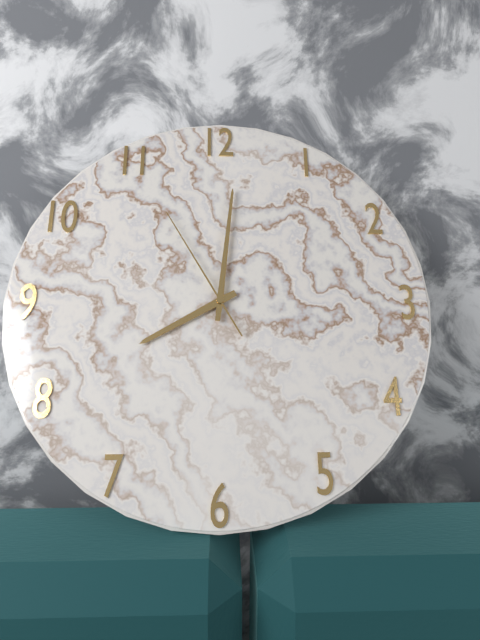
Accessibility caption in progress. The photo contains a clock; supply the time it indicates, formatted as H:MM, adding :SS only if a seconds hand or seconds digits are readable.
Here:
8:01:55
